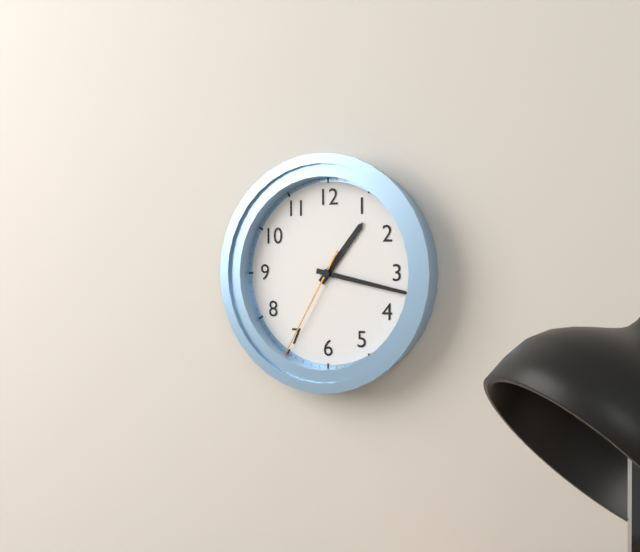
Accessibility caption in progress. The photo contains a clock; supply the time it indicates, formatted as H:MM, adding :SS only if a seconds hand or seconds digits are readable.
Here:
1:17:35
